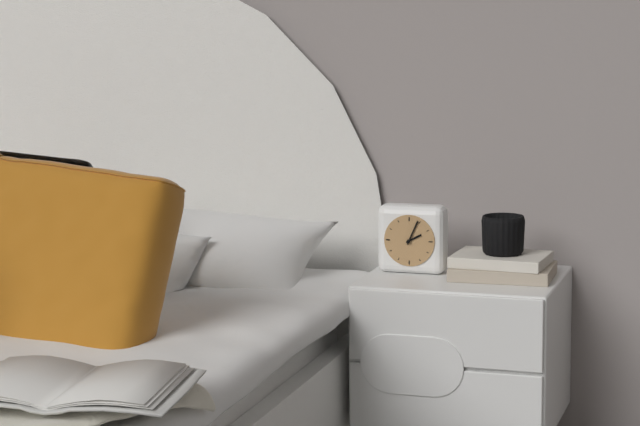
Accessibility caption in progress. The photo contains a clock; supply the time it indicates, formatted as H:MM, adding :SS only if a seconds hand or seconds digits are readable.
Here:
2:04
